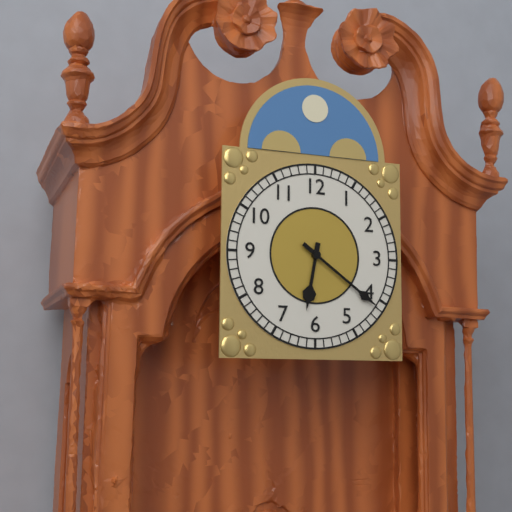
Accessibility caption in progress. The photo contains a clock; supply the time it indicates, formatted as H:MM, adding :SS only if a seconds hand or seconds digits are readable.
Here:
6:21
